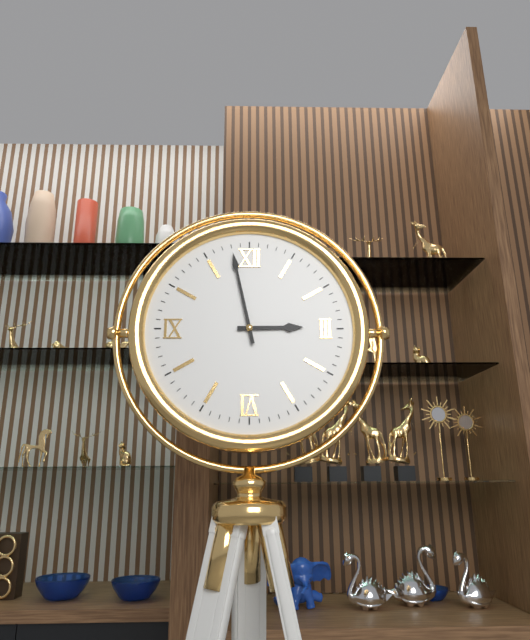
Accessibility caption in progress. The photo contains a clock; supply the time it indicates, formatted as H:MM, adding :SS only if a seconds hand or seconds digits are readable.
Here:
2:58
